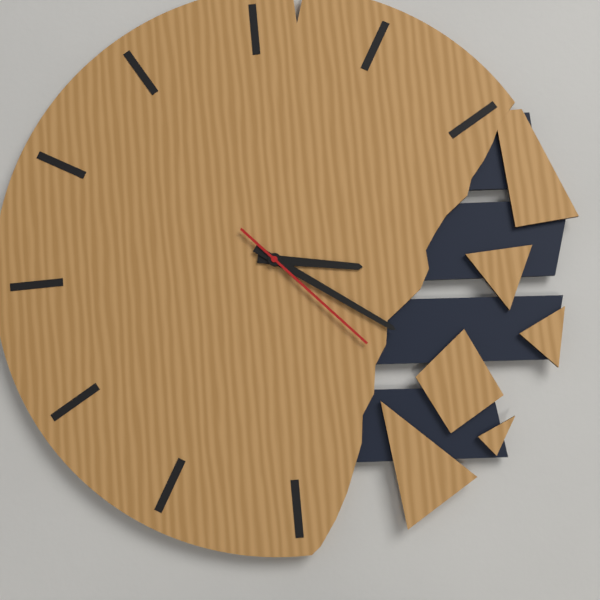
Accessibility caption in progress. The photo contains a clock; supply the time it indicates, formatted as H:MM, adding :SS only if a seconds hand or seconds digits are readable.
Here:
3:21:23
